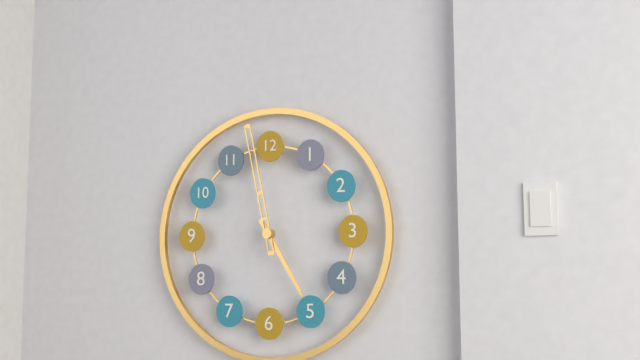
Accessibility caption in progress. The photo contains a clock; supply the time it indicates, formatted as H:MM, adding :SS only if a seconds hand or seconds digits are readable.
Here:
4:58
